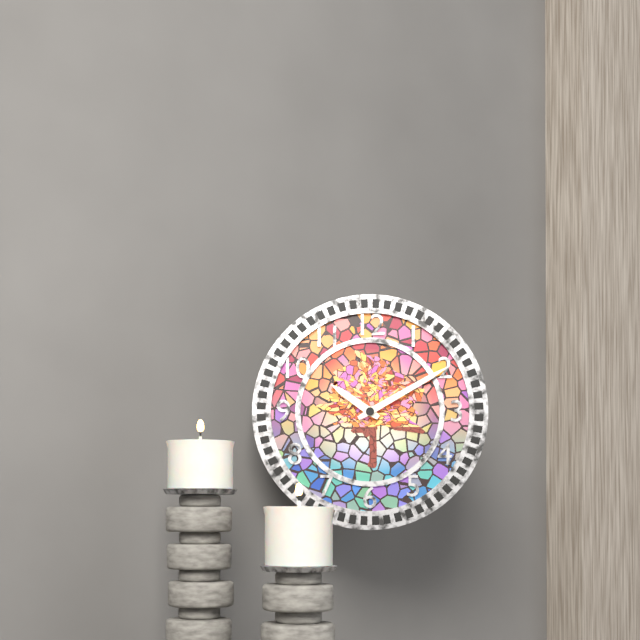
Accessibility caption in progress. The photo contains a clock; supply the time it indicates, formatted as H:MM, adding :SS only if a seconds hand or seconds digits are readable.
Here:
10:10
